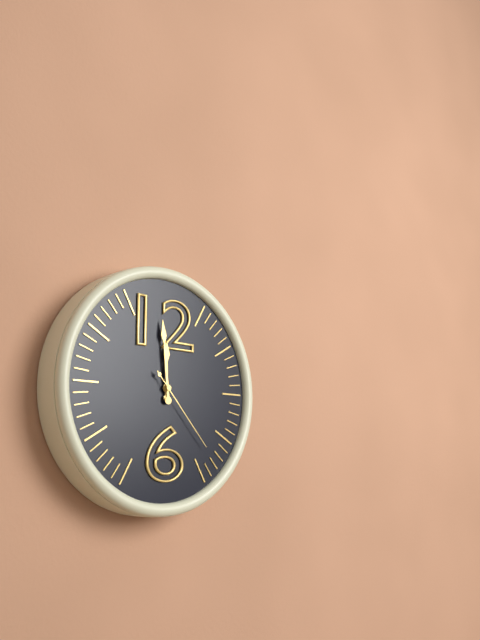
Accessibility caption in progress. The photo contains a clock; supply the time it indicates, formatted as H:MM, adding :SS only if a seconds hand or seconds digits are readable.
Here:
11:59:23
